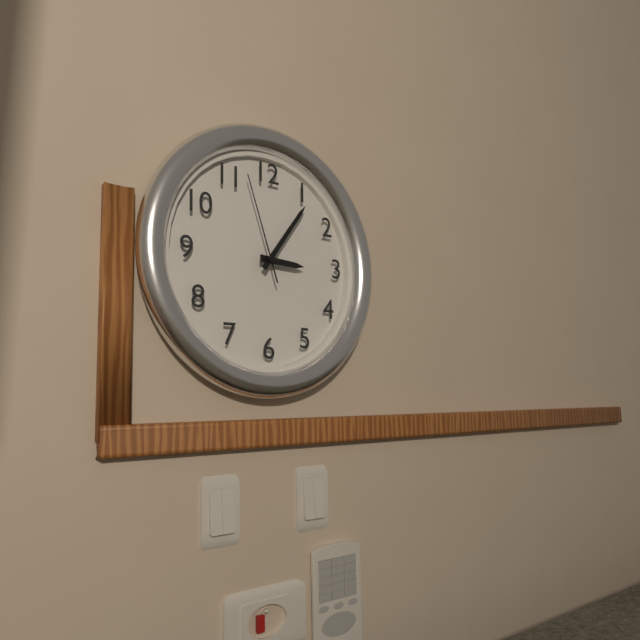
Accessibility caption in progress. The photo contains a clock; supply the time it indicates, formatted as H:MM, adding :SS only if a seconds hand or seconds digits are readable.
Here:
3:06:57
